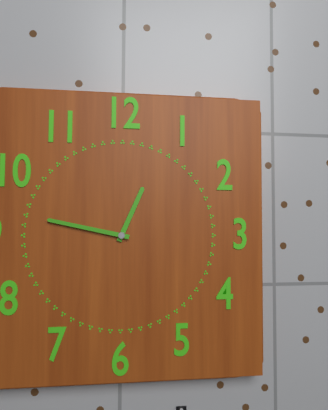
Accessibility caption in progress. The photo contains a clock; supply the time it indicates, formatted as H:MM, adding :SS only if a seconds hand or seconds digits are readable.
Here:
12:47
